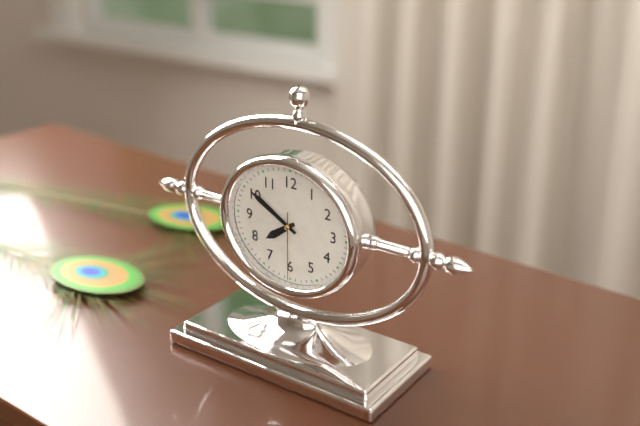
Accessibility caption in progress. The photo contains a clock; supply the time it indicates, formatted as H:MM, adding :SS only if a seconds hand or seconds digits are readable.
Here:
7:50:30
